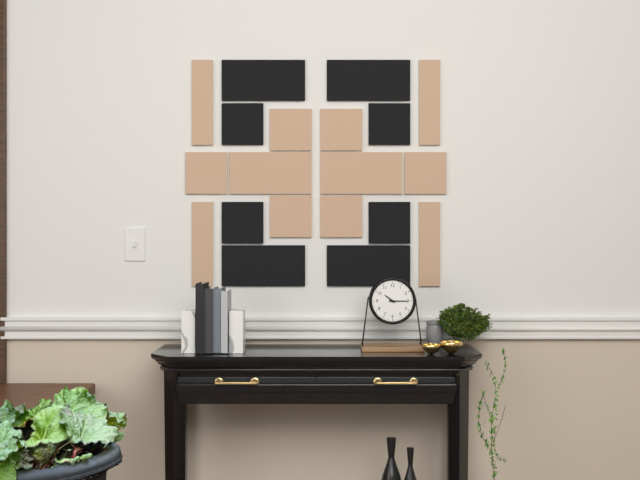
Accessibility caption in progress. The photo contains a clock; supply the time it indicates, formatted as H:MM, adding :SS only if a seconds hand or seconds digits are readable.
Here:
10:15
